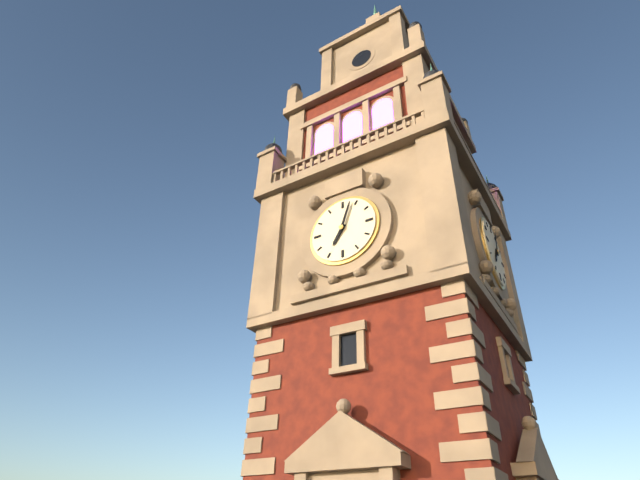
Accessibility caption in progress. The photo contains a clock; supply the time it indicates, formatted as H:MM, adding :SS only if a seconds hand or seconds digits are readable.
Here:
7:03
